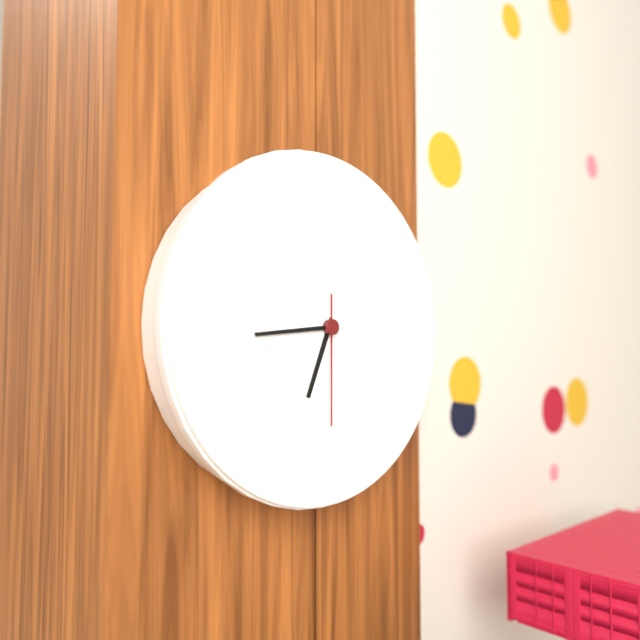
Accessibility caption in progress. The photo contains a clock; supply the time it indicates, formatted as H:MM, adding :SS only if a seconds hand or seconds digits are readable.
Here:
6:44:30
